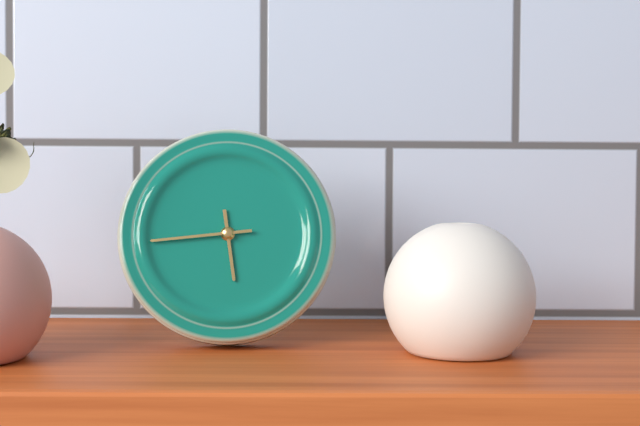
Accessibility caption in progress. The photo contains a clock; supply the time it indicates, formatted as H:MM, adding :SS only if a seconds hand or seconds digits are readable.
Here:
5:44
